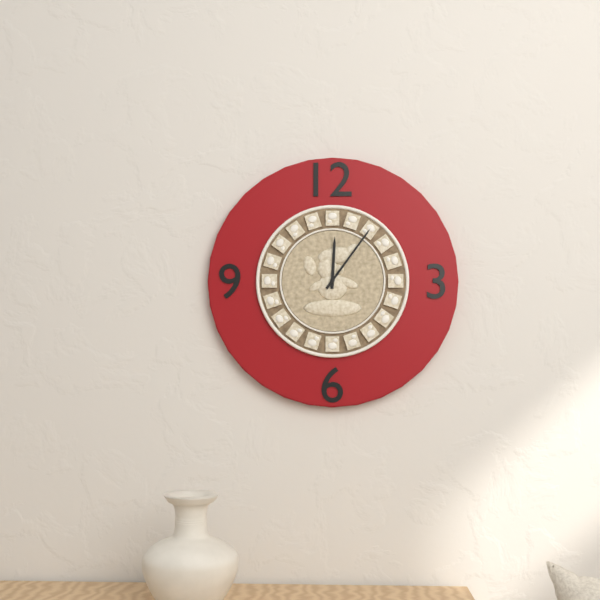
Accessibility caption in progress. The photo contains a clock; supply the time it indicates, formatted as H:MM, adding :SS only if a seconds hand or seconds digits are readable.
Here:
12:06
